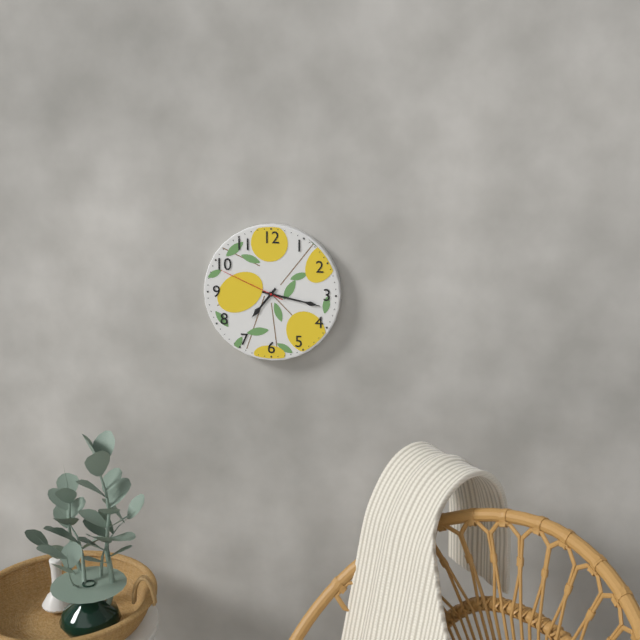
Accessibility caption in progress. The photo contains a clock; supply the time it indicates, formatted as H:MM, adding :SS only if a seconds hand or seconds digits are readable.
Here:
7:17:49
